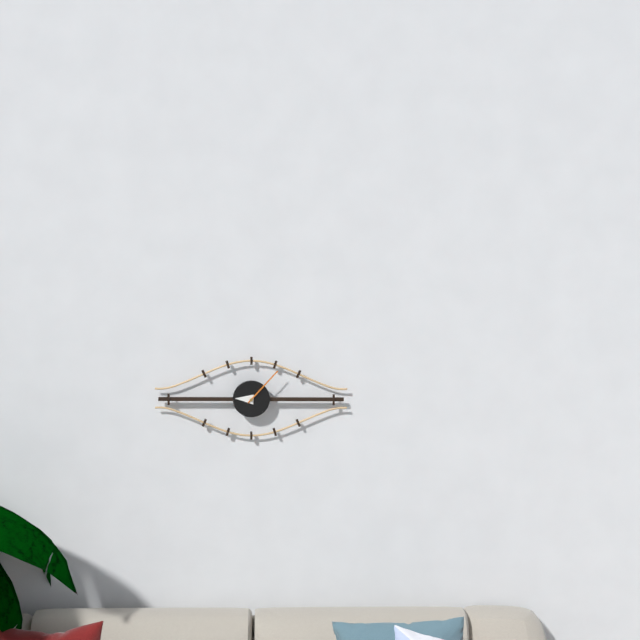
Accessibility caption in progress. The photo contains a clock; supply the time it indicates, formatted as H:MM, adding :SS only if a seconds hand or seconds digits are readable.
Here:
9:07
